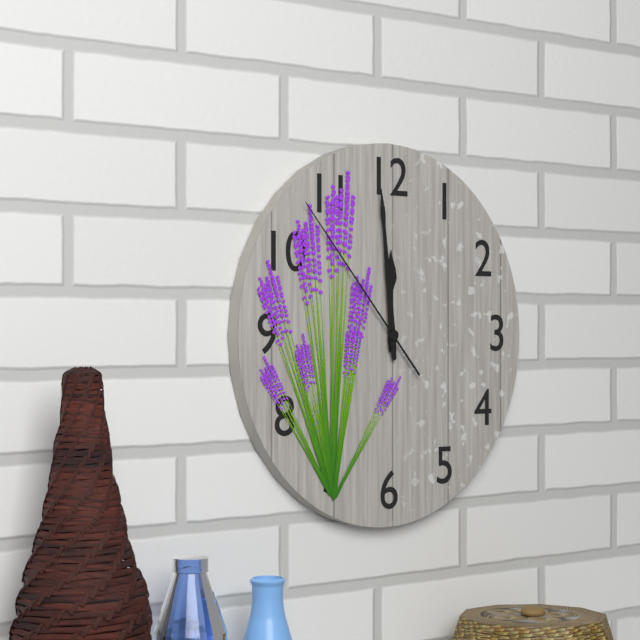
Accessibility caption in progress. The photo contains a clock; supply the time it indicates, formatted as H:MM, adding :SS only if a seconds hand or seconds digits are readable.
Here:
11:59:53
